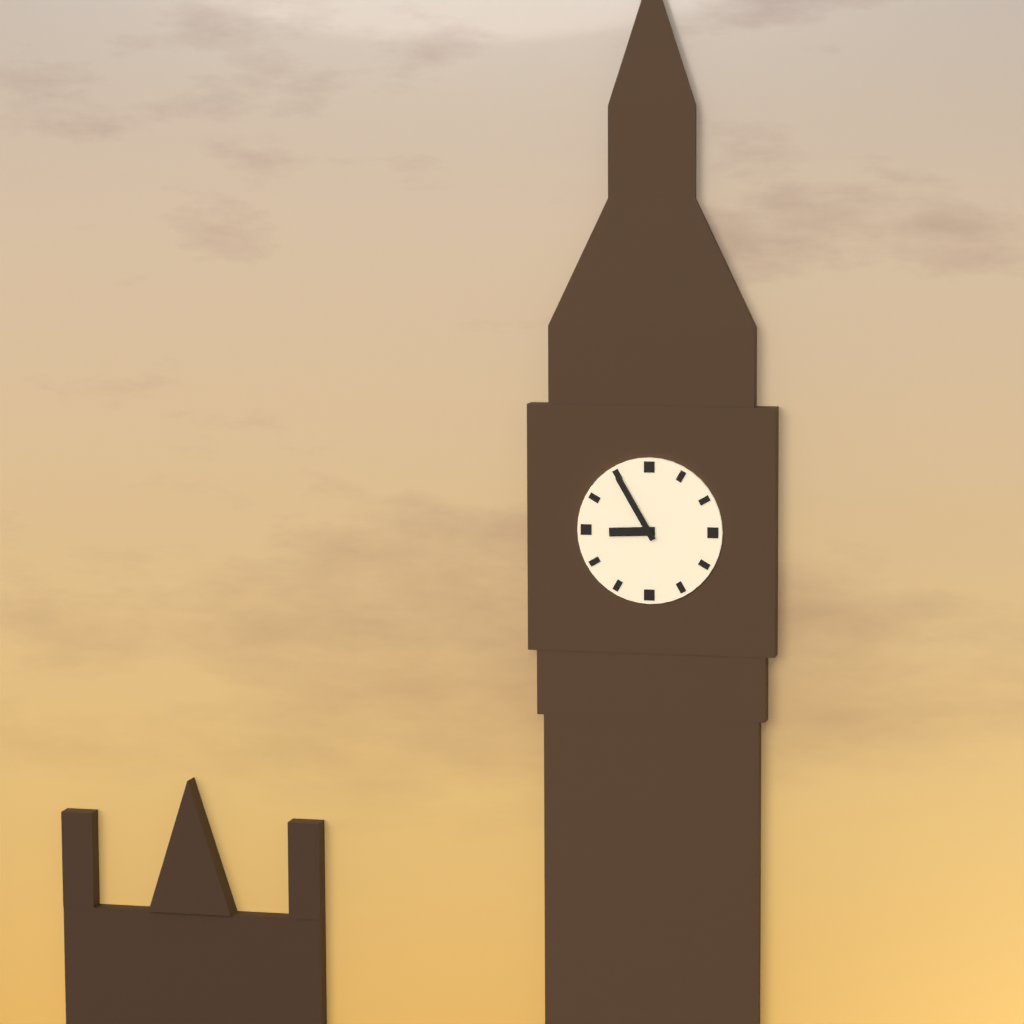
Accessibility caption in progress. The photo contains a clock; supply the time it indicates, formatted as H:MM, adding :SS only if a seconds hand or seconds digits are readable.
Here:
8:55
